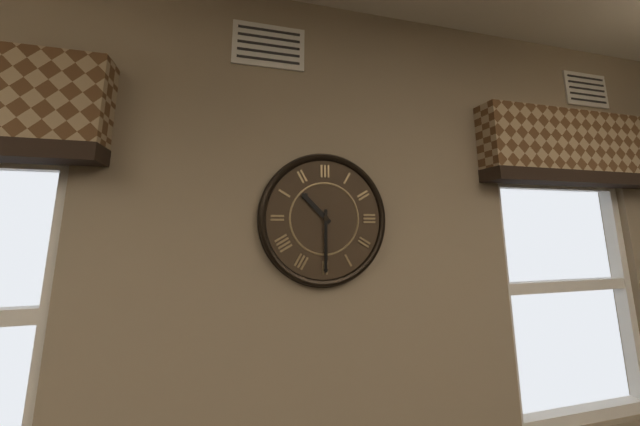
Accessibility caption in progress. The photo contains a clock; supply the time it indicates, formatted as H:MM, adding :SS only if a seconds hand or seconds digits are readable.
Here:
10:30
